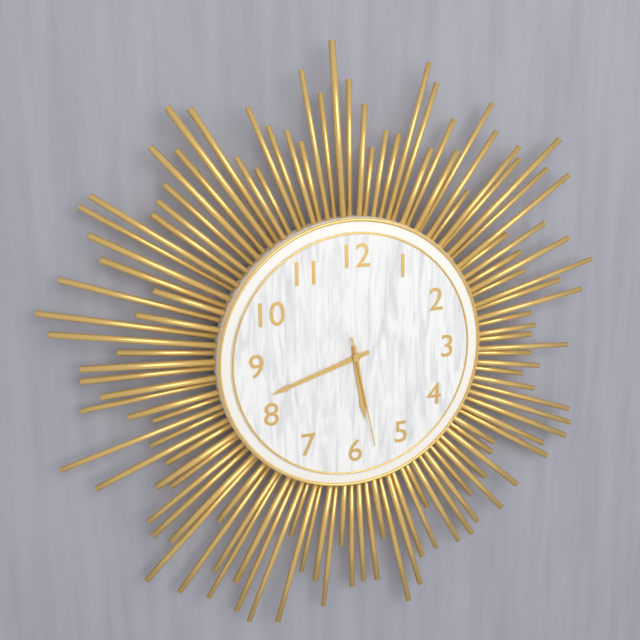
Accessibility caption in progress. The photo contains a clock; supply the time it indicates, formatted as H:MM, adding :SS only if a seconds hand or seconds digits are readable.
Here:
5:42:28
